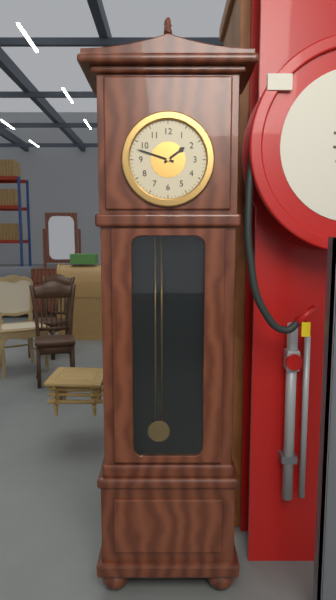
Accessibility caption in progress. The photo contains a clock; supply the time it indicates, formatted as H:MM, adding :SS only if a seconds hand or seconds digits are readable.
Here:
1:48
